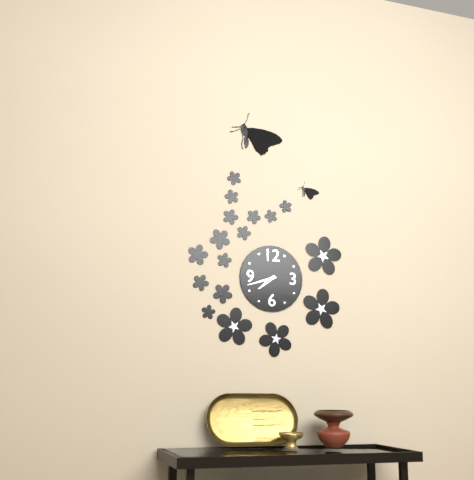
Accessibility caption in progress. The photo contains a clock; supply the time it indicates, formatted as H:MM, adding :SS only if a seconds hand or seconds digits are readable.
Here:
7:42
